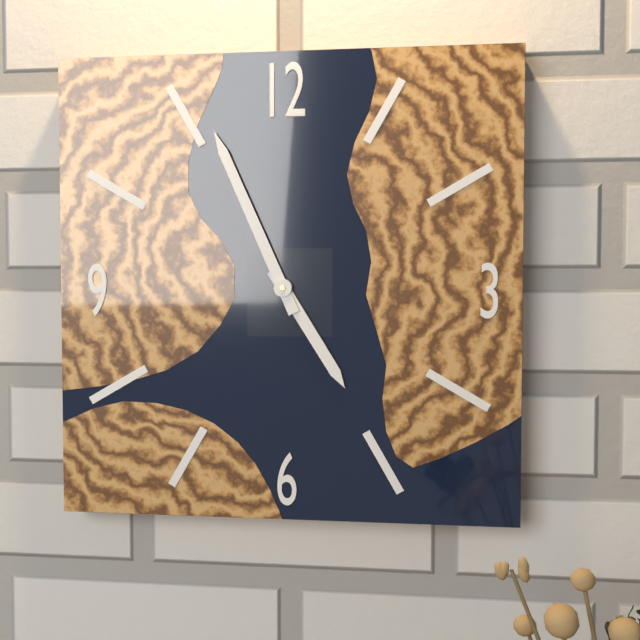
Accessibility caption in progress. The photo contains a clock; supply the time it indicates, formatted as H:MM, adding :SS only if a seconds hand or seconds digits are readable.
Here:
4:56
